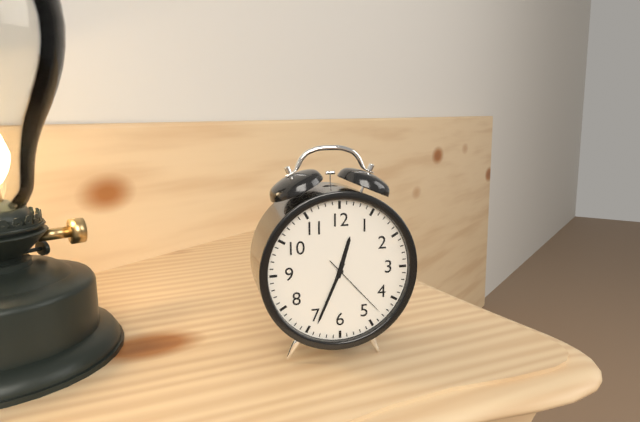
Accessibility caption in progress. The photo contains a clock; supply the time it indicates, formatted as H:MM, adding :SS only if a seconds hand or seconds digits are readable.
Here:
12:34:23
